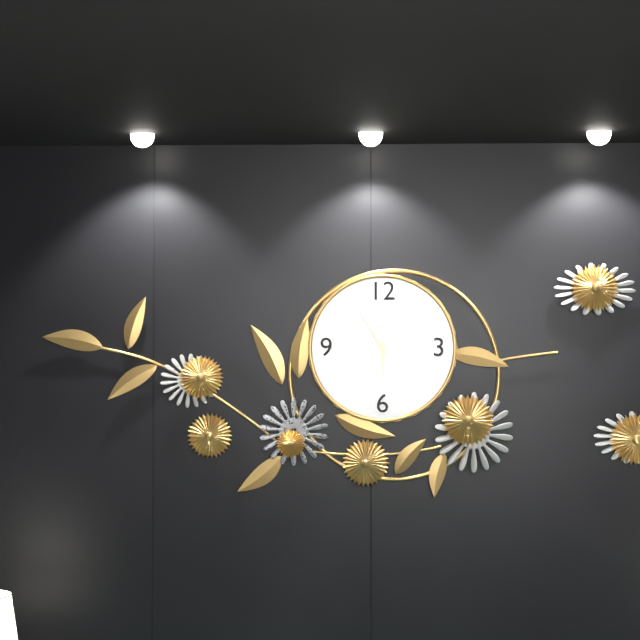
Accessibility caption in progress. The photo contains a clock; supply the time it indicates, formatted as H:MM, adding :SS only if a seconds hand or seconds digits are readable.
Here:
5:55
